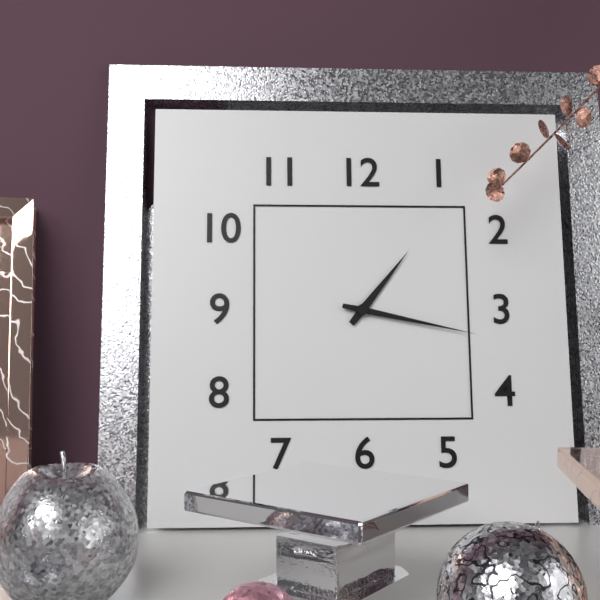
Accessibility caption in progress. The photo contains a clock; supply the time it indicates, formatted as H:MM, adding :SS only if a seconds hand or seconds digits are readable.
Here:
1:17
